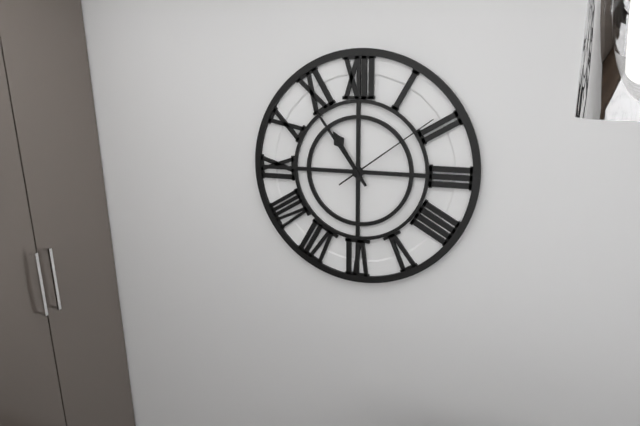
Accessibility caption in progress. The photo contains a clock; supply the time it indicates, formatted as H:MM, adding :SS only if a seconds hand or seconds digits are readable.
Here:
10:54:09
